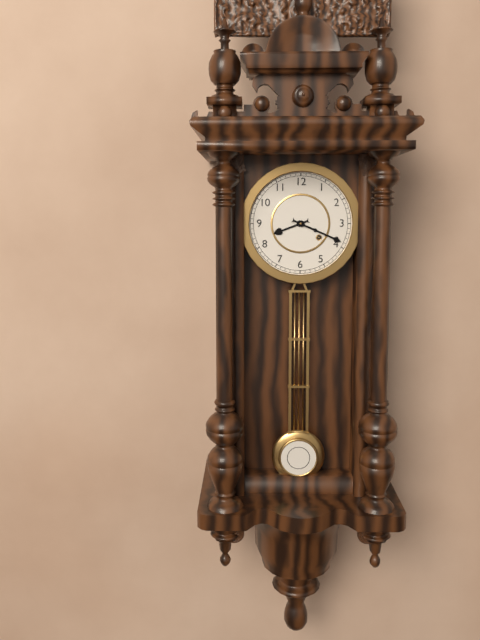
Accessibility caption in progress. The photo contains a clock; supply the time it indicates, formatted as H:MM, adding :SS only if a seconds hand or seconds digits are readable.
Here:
8:19
